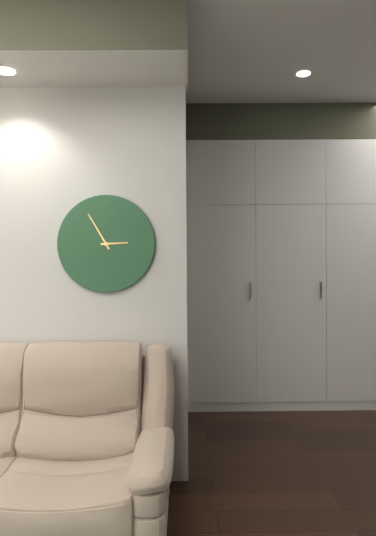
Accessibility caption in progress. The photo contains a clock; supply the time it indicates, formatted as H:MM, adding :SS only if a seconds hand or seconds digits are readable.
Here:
2:55
